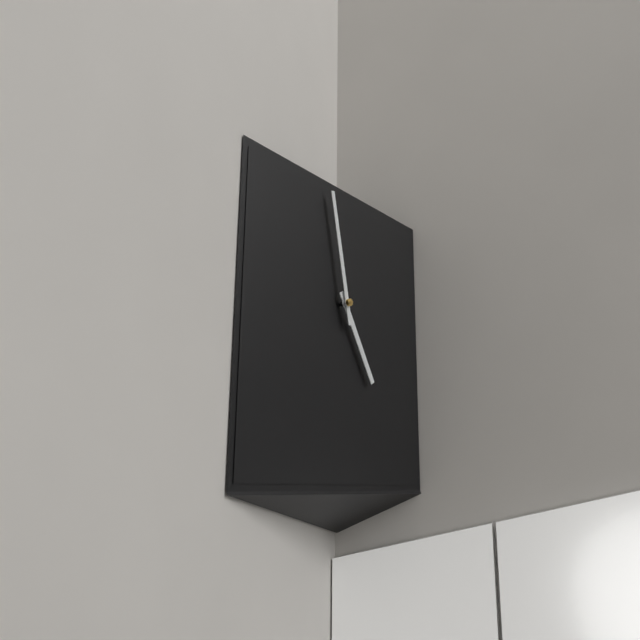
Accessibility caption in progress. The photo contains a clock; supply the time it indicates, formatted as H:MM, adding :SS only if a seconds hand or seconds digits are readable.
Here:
4:58
